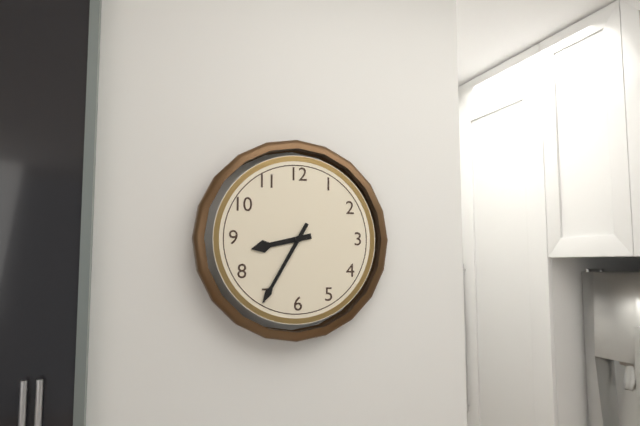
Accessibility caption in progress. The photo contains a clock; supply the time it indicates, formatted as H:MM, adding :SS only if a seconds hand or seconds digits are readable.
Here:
8:35
